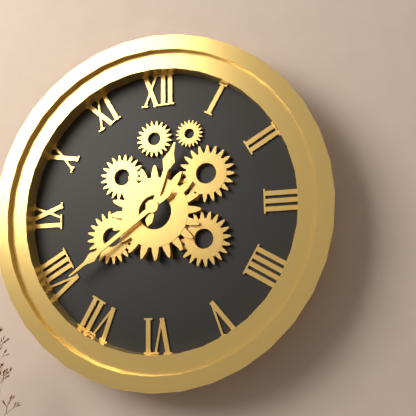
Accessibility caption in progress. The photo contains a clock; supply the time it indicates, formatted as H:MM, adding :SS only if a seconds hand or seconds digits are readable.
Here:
12:39
